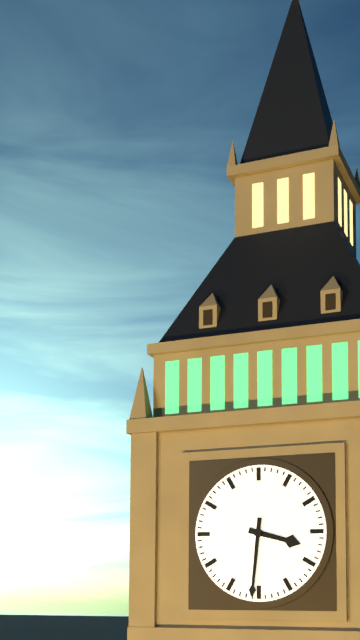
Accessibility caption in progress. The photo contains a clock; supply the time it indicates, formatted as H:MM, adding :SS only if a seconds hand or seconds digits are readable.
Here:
3:31
